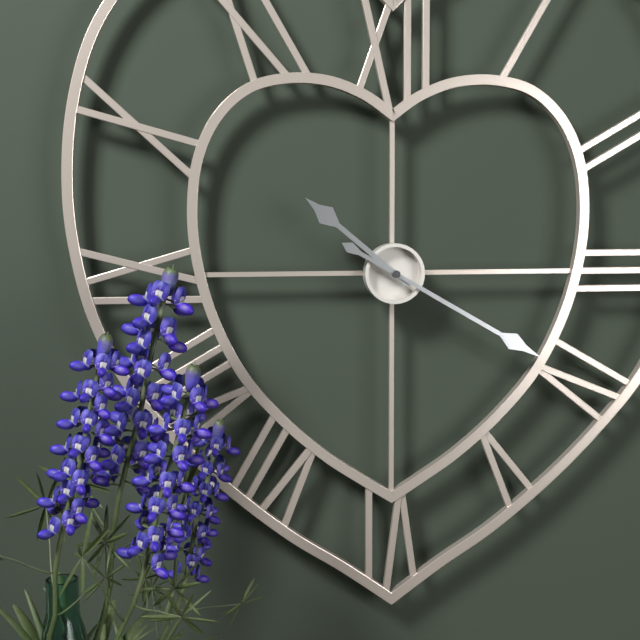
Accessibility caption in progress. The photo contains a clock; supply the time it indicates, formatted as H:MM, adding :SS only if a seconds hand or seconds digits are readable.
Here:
10:20
